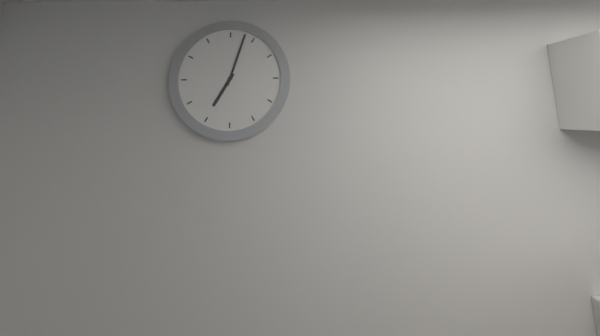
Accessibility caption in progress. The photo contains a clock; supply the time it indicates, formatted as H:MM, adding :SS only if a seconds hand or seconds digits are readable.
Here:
7:03
